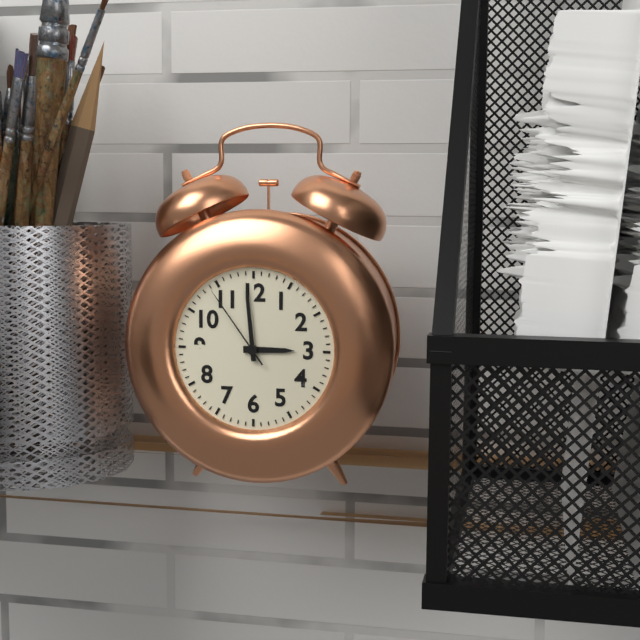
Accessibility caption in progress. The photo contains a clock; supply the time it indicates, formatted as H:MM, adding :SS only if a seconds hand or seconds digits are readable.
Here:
2:59:54
